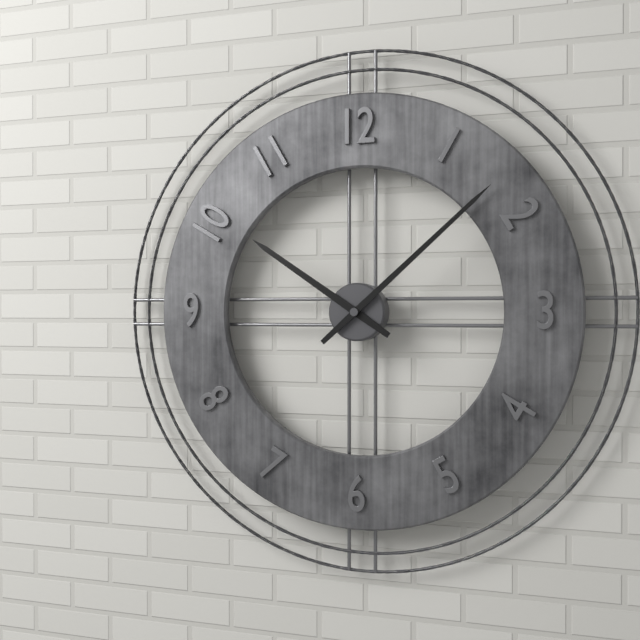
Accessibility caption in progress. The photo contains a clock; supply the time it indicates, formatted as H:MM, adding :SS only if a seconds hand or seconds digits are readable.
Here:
10:08
